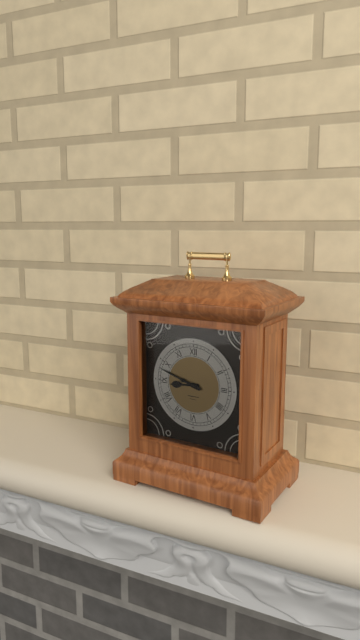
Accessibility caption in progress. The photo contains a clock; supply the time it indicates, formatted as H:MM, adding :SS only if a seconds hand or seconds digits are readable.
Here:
8:48
